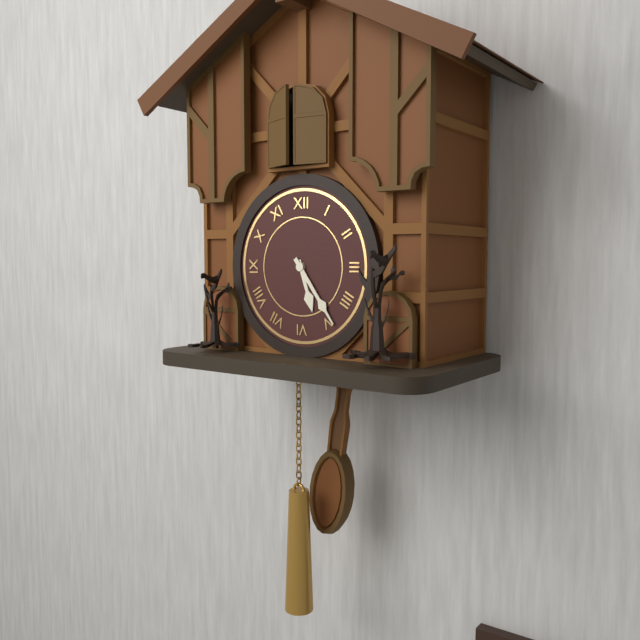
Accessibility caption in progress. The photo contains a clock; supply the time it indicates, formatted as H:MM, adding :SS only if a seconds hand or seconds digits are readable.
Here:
5:24
